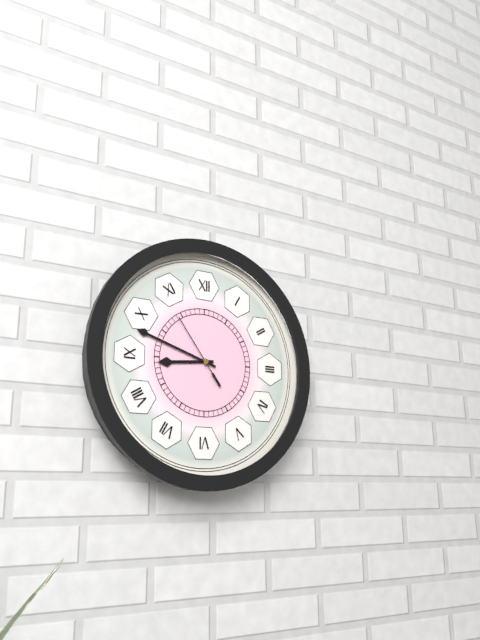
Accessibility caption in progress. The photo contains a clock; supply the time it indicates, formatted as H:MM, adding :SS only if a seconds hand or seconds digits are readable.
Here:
8:48:54
